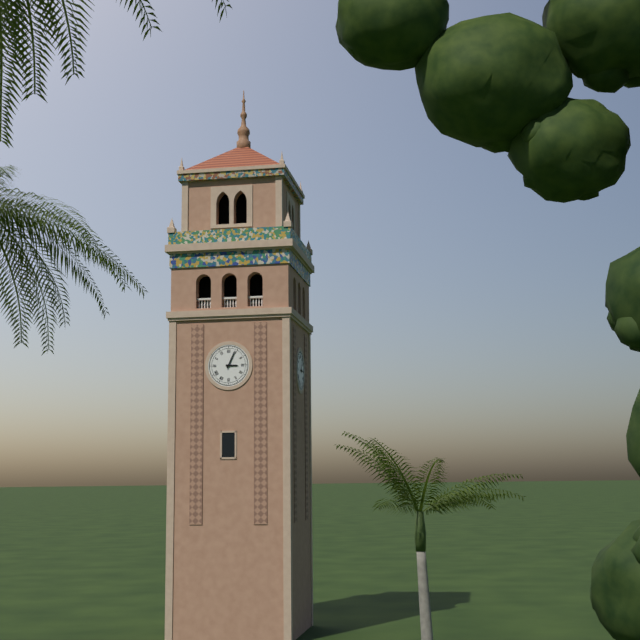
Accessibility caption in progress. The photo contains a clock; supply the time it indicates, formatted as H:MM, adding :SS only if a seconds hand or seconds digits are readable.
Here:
3:04
